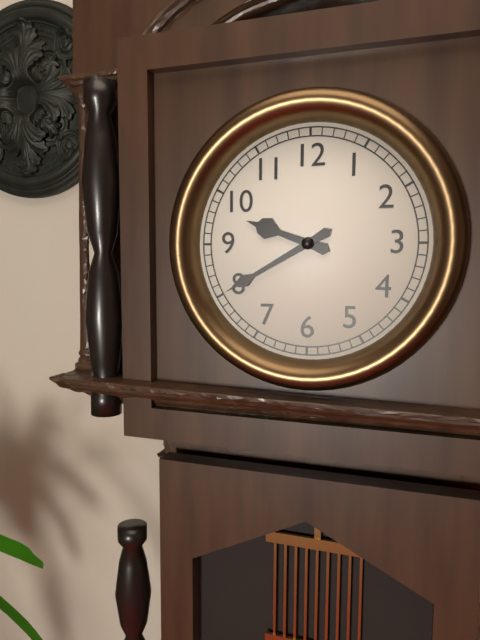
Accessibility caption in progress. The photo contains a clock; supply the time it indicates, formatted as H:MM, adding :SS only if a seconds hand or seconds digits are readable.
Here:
9:40
